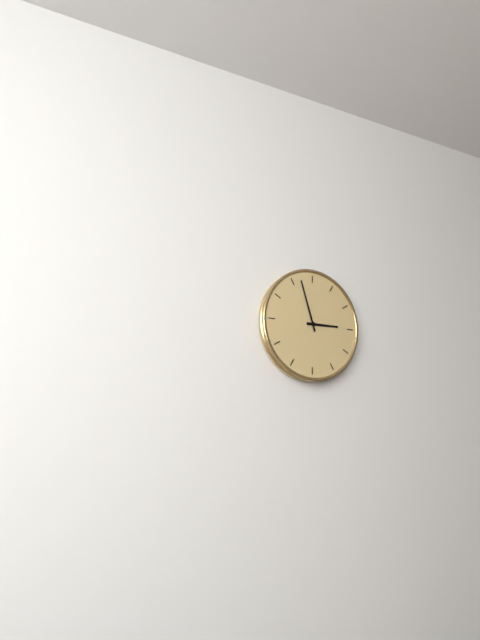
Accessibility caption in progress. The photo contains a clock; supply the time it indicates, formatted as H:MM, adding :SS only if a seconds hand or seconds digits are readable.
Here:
2:57
